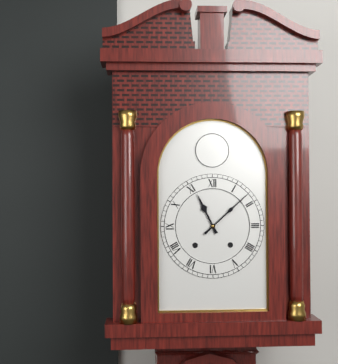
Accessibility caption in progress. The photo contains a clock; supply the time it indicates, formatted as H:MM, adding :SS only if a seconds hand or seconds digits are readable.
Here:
11:08
